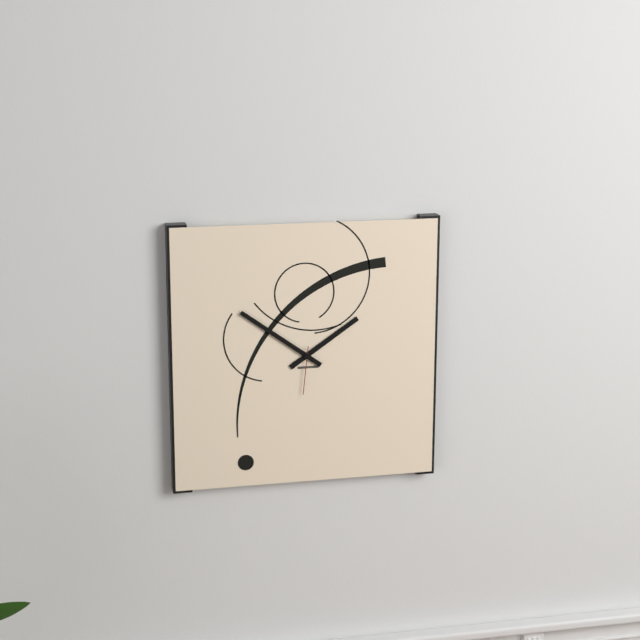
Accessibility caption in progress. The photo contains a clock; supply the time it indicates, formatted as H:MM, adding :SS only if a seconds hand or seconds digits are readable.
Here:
1:51
